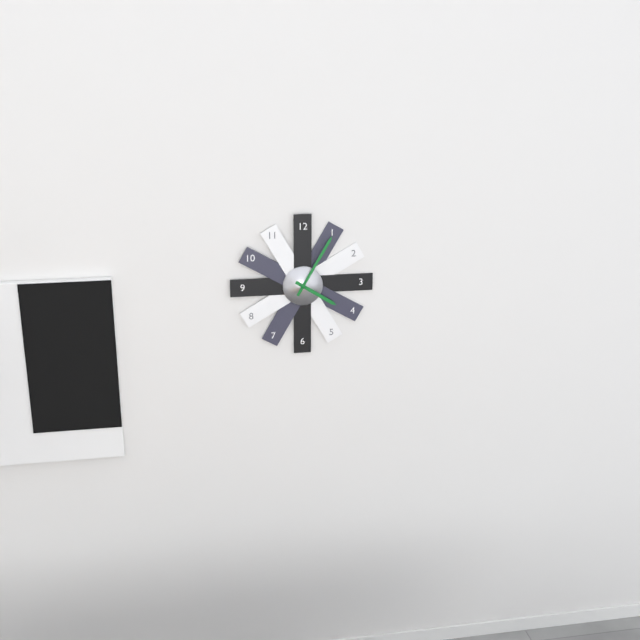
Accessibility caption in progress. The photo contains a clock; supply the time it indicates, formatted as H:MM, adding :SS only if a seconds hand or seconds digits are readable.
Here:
4:05
